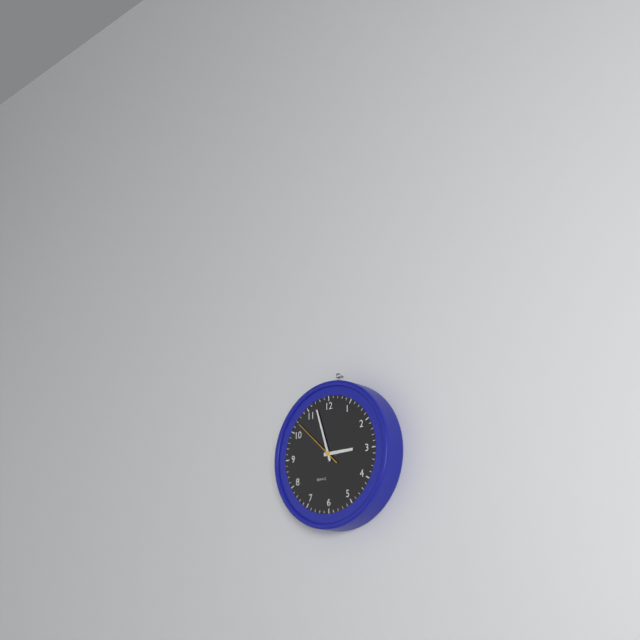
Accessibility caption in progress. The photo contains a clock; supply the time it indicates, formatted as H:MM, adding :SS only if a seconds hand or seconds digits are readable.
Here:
2:57:52
